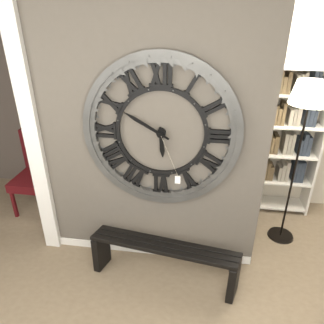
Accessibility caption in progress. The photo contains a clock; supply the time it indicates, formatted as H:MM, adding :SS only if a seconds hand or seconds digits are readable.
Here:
5:50
